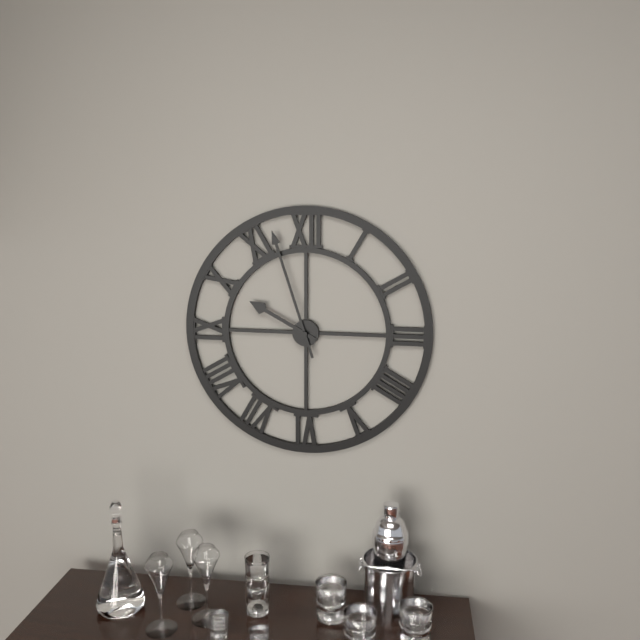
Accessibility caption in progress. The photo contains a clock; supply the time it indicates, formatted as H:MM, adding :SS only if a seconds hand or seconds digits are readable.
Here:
9:57
